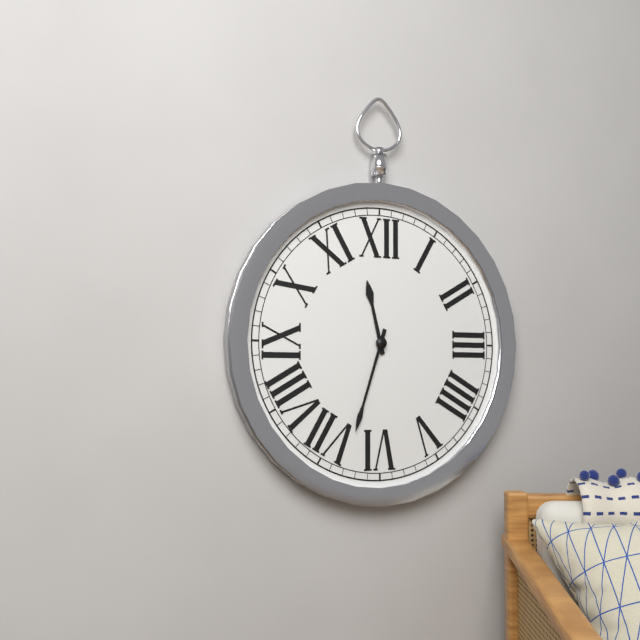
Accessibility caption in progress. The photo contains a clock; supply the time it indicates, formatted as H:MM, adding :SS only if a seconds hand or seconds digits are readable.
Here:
11:33
